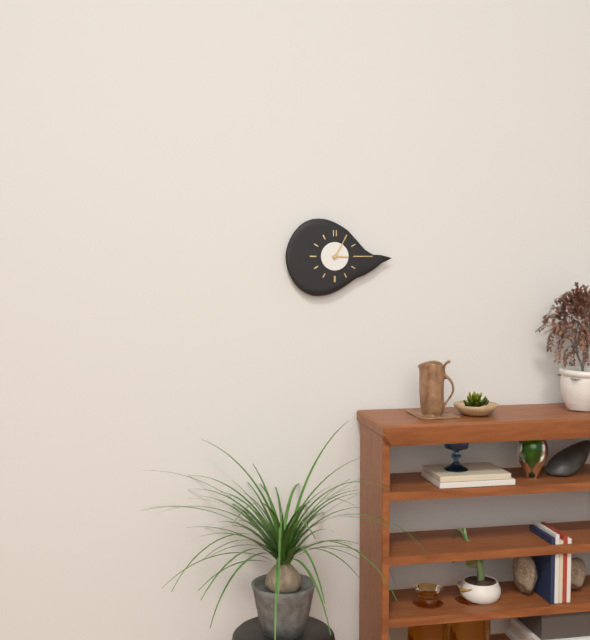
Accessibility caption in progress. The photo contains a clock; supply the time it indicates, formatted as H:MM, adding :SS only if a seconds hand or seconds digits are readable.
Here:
3:05
